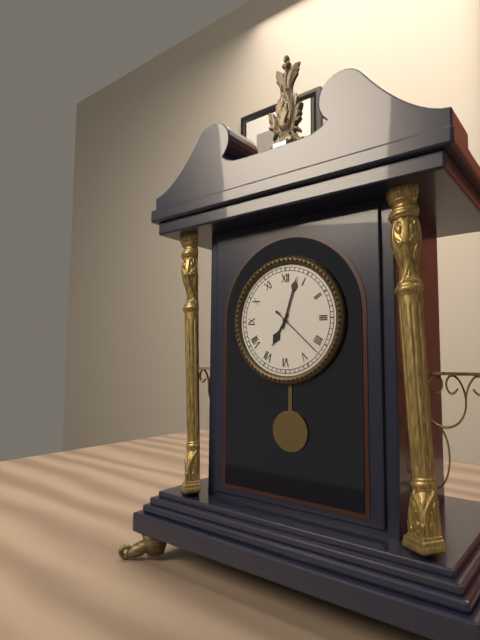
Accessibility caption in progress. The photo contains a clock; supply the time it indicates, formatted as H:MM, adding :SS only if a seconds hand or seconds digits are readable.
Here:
7:03:22
